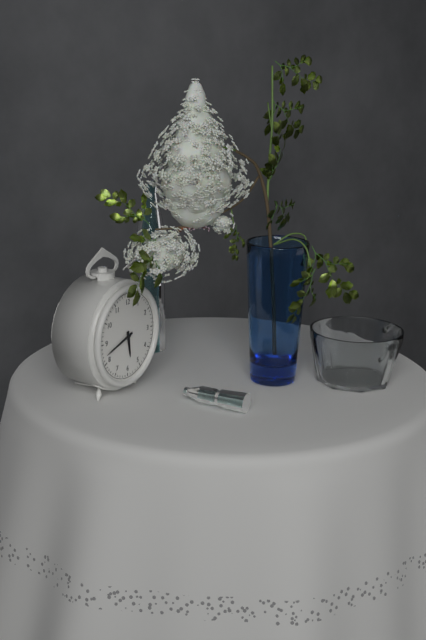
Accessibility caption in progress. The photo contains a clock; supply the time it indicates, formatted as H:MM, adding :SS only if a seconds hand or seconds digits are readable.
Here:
5:42
